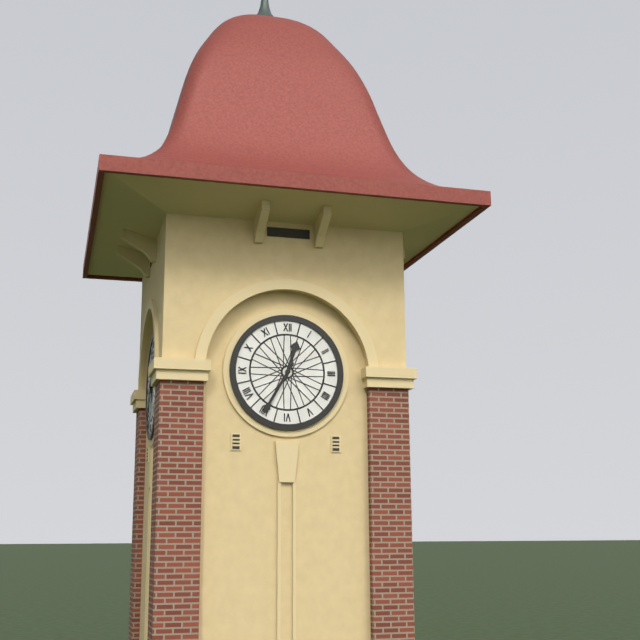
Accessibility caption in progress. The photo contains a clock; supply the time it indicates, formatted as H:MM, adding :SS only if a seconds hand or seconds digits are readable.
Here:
12:35
